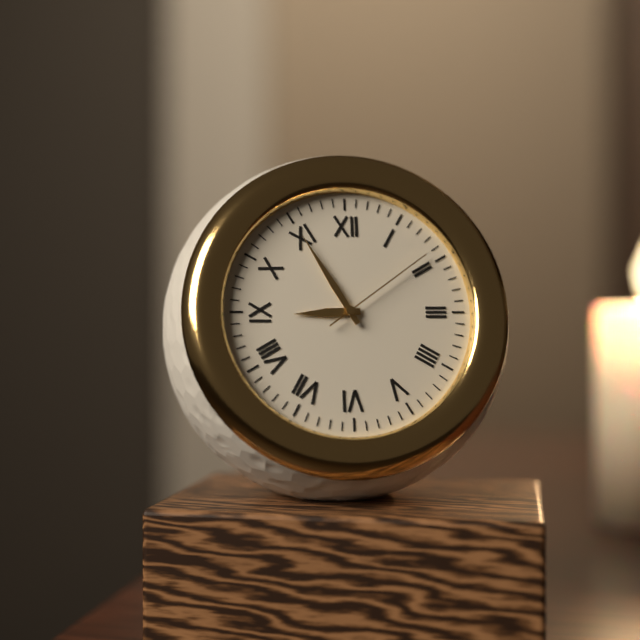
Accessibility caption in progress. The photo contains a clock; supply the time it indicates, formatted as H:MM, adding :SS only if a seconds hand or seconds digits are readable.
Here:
8:55:09
